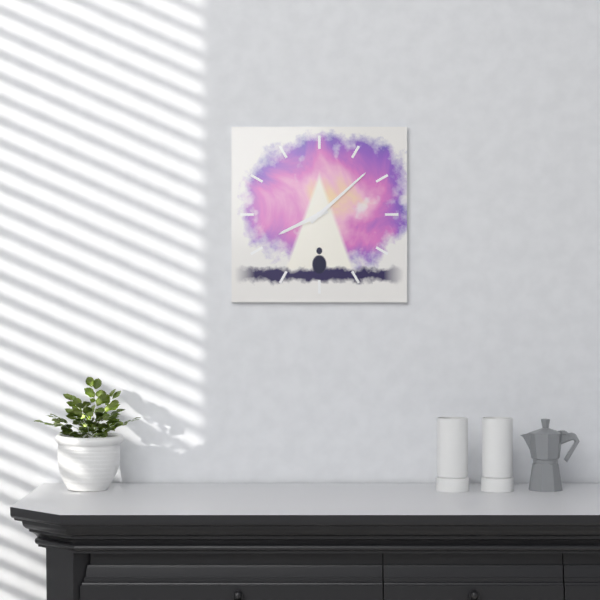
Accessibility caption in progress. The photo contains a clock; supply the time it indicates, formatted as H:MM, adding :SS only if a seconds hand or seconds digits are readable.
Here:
8:08
